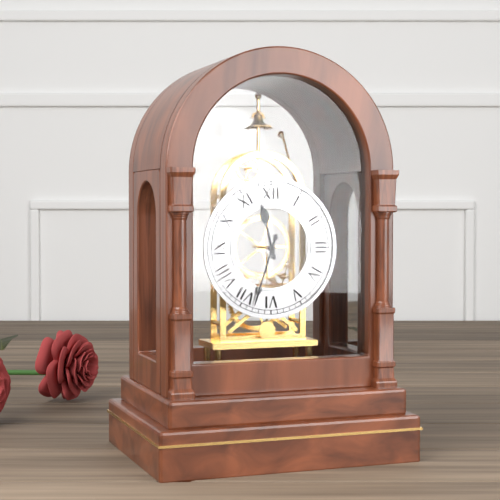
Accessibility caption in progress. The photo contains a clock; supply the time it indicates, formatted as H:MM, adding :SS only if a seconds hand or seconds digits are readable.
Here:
11:33
